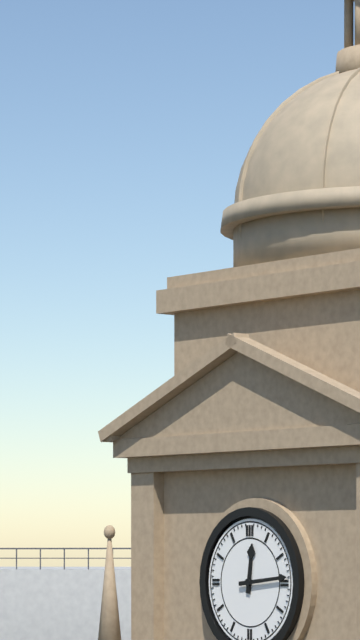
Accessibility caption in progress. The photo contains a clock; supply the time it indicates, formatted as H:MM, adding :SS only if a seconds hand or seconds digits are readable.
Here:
12:14
